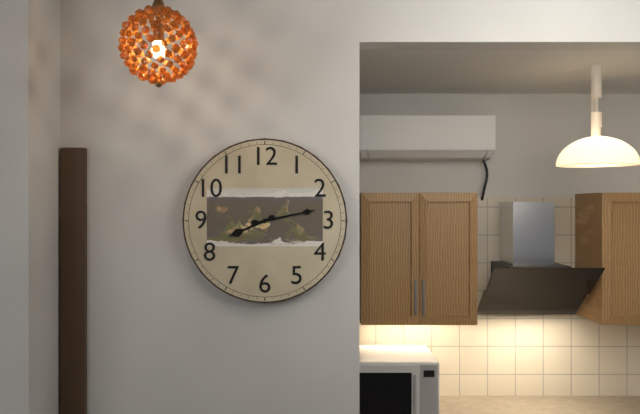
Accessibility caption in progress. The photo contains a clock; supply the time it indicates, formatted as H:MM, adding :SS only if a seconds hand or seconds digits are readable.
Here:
8:13
